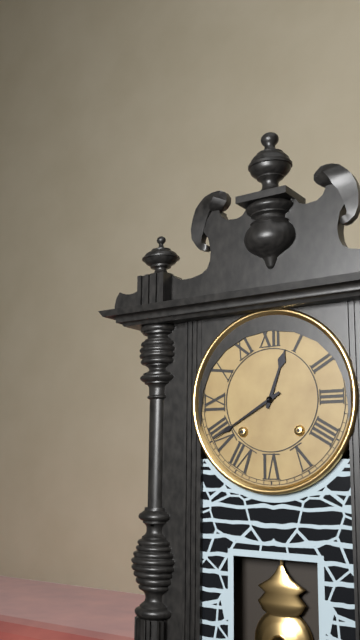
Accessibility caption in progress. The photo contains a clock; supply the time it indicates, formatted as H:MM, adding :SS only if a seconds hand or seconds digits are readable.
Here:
12:40
